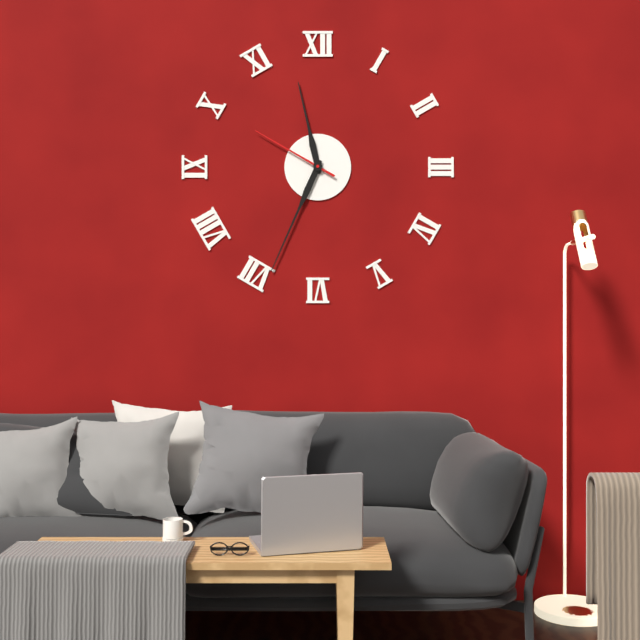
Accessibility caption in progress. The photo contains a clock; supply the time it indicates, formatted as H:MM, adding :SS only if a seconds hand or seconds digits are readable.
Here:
11:34:50
